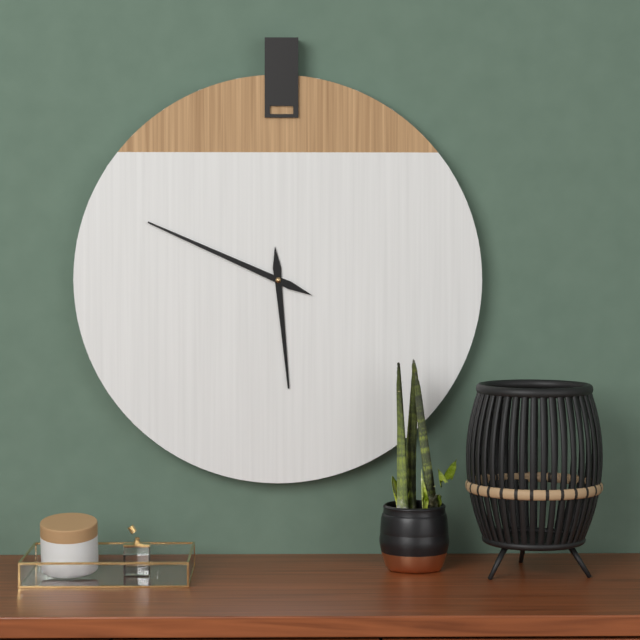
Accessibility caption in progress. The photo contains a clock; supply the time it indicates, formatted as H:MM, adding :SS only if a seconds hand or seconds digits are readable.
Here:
5:49
